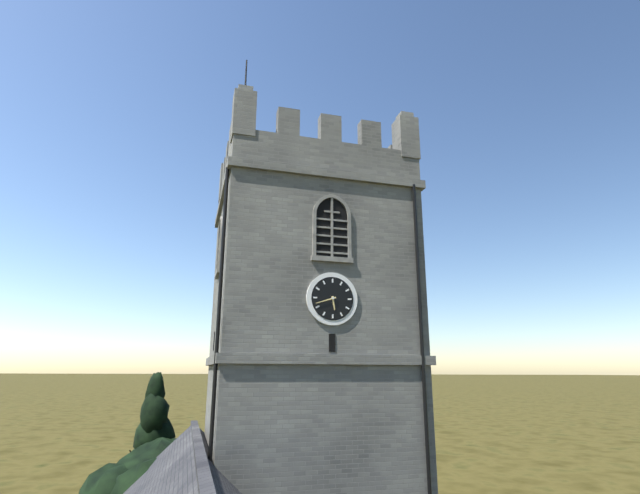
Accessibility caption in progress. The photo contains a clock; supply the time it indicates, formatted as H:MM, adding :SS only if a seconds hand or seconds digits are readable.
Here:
5:42
